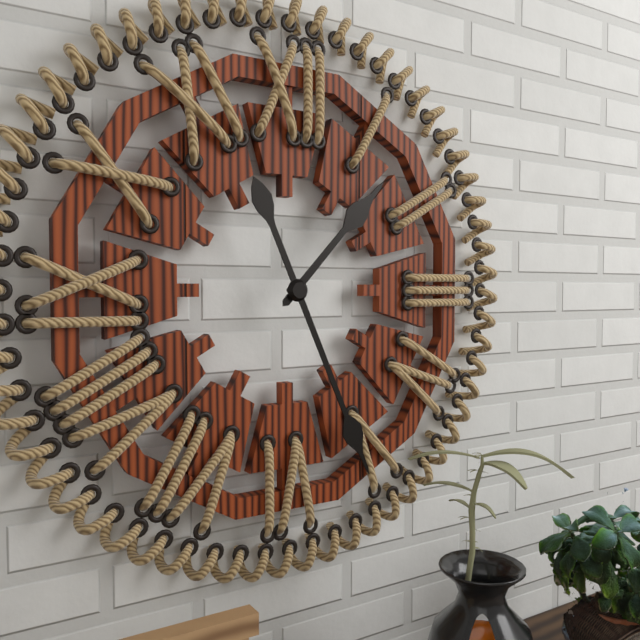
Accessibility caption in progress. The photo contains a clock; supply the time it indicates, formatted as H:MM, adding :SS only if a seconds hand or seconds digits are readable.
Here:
1:26
